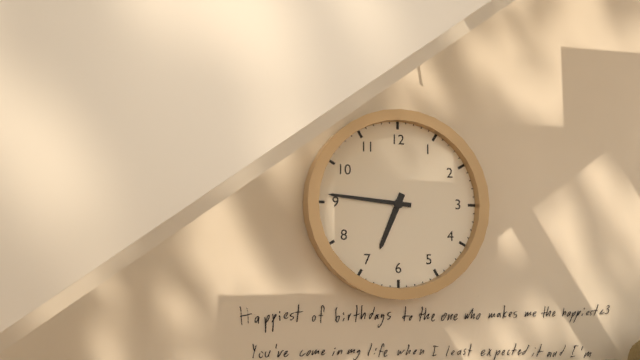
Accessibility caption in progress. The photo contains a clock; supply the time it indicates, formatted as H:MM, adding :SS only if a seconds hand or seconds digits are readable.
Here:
6:46
